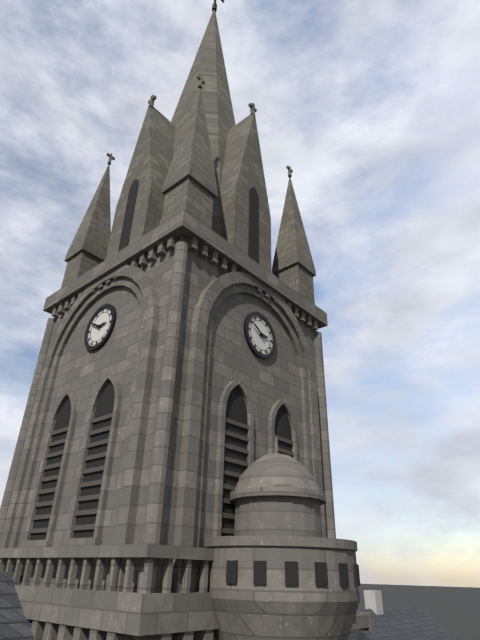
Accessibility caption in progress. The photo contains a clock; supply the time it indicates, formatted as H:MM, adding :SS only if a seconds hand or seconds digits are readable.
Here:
2:50
